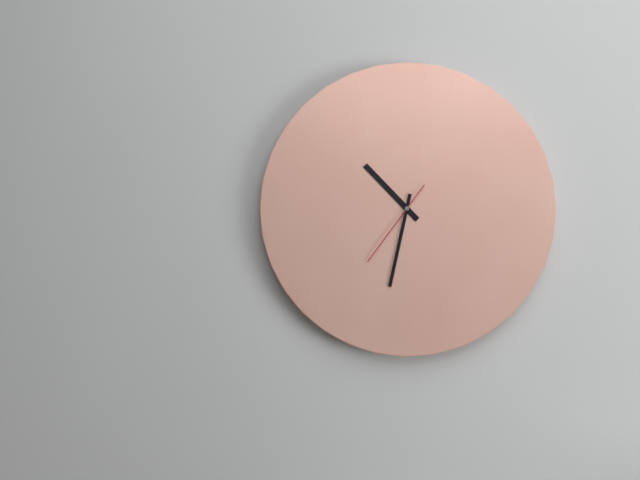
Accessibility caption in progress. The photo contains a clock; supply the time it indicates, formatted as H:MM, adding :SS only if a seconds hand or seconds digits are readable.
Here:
10:32:36
